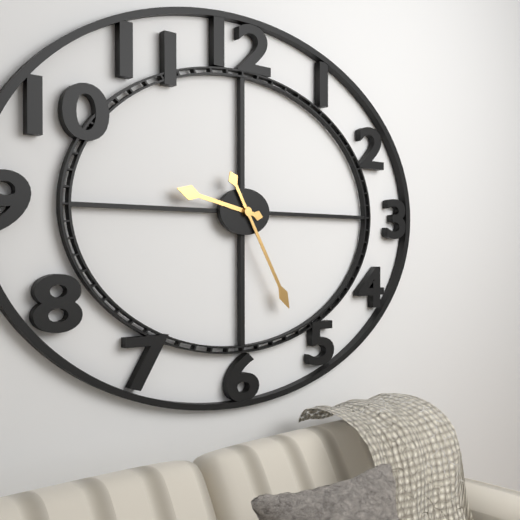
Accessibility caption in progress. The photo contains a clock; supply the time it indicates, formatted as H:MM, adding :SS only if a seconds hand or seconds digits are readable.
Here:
9:25
